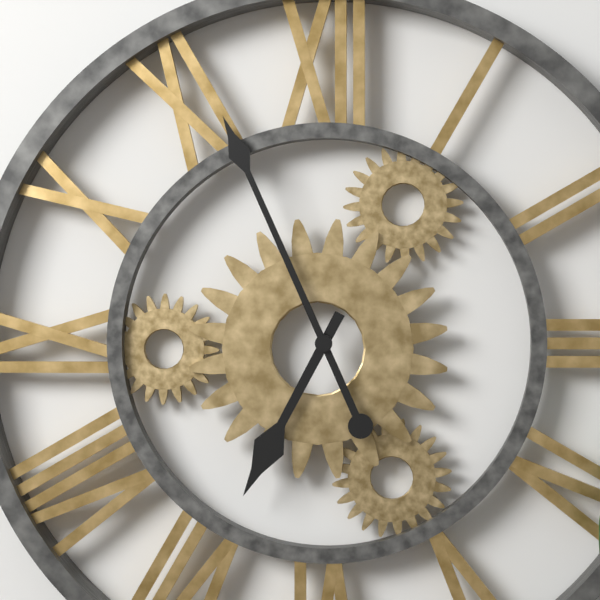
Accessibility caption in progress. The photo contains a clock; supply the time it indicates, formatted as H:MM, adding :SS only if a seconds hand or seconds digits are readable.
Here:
6:56
